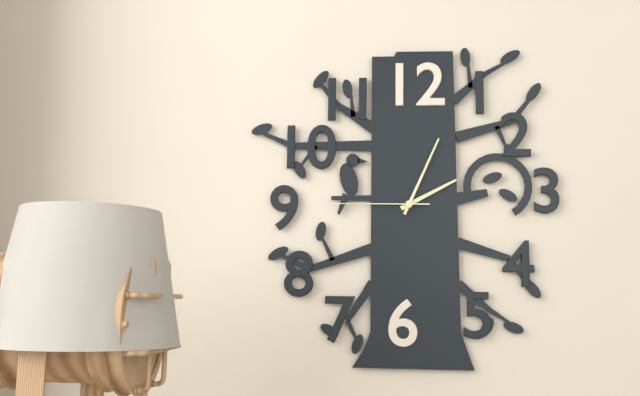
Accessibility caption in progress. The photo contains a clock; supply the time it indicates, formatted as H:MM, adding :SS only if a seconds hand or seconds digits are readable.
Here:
2:04:45
